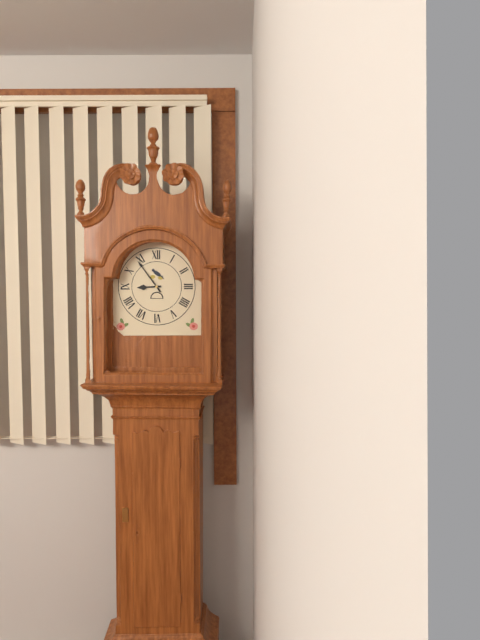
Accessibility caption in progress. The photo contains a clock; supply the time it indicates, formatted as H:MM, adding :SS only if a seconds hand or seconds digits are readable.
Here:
8:54
